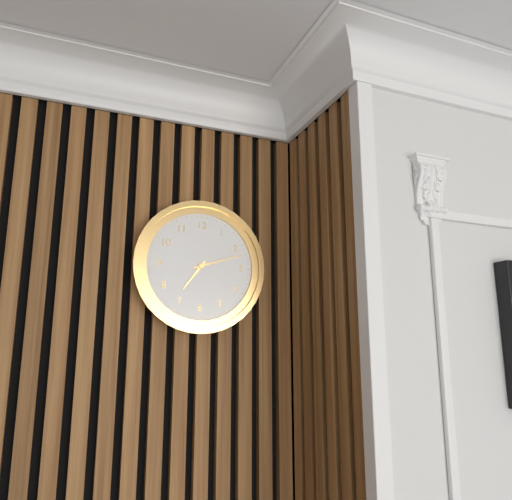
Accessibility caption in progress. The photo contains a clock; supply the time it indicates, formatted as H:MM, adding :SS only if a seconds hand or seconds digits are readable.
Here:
7:12
